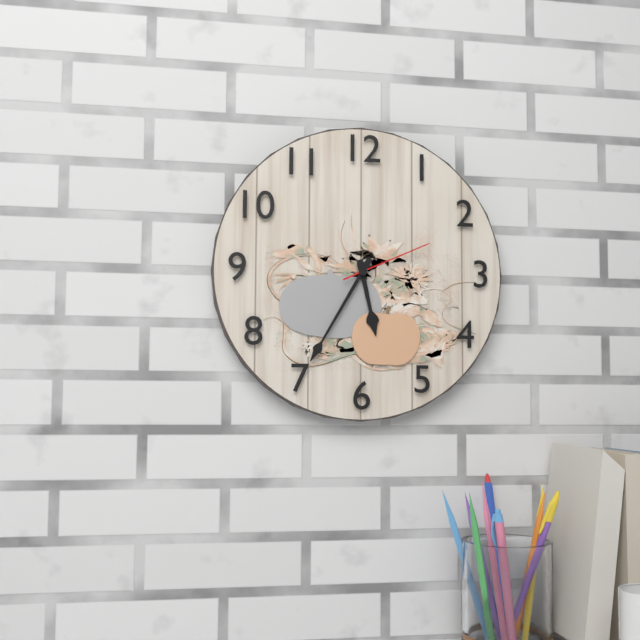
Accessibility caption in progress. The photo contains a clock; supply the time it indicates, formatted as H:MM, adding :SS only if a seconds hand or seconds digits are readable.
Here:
5:35:11
